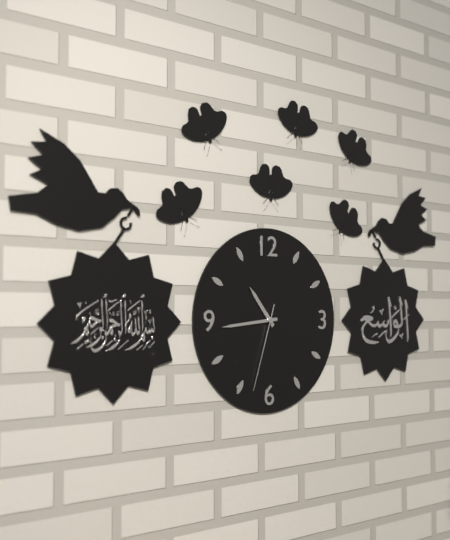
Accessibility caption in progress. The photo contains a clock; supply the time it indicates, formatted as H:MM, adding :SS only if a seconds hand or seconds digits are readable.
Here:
10:44:33
